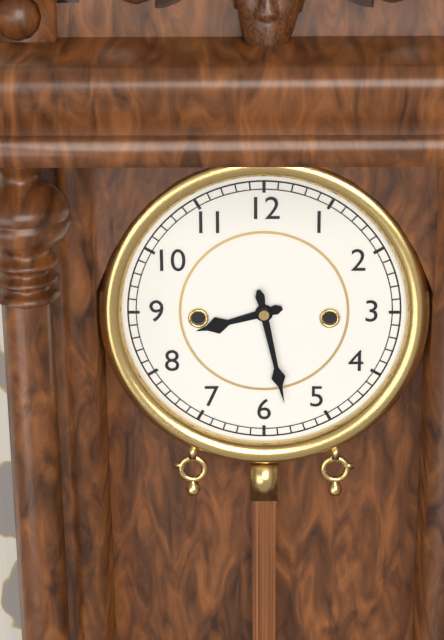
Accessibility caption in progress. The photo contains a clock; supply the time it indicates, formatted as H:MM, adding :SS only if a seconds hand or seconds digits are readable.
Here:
8:28
